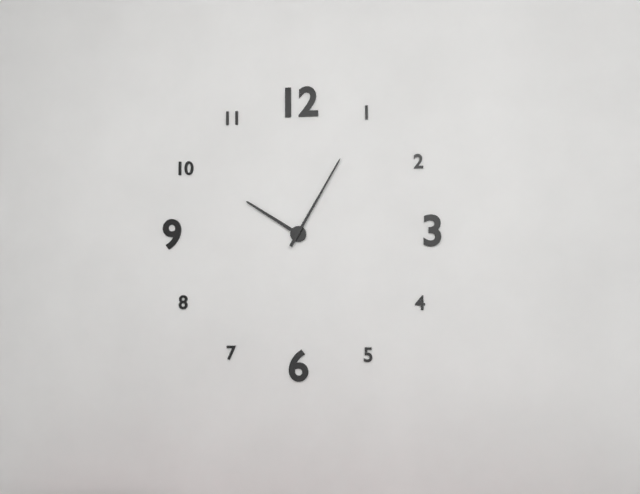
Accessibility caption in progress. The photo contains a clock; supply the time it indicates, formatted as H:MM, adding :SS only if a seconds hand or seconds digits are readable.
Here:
10:05
